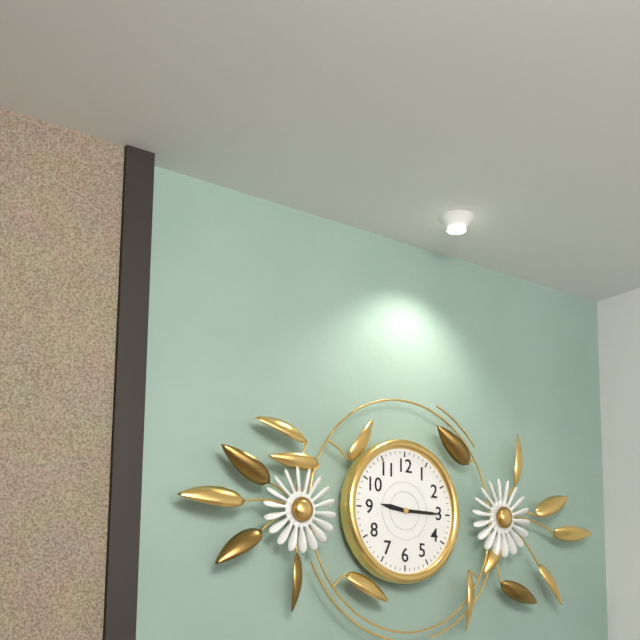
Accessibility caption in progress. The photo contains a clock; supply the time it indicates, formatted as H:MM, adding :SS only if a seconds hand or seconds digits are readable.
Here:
9:15
